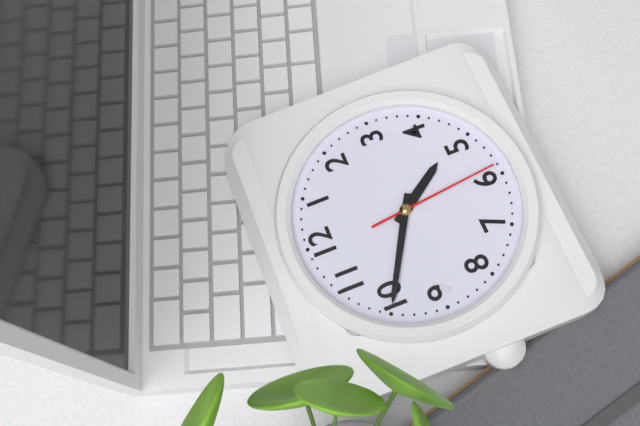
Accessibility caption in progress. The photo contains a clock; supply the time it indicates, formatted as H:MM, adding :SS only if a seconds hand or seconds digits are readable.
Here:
4:50:29
